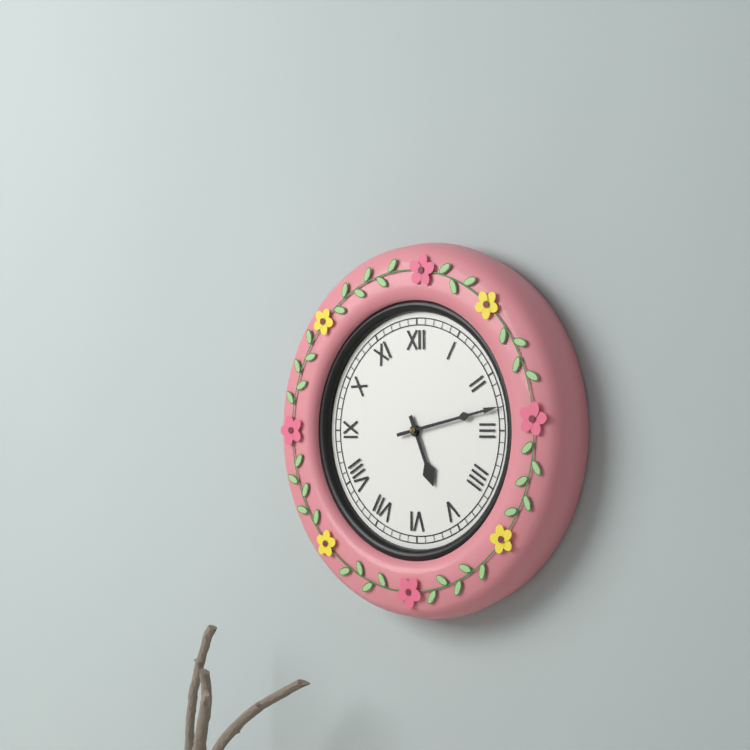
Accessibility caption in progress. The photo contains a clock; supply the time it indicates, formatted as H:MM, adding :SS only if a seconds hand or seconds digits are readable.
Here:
5:13
